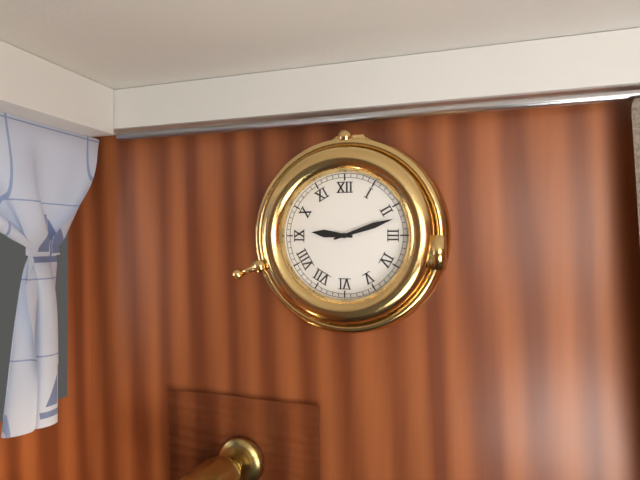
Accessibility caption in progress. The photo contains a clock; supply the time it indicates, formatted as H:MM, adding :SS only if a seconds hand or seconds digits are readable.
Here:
9:12
